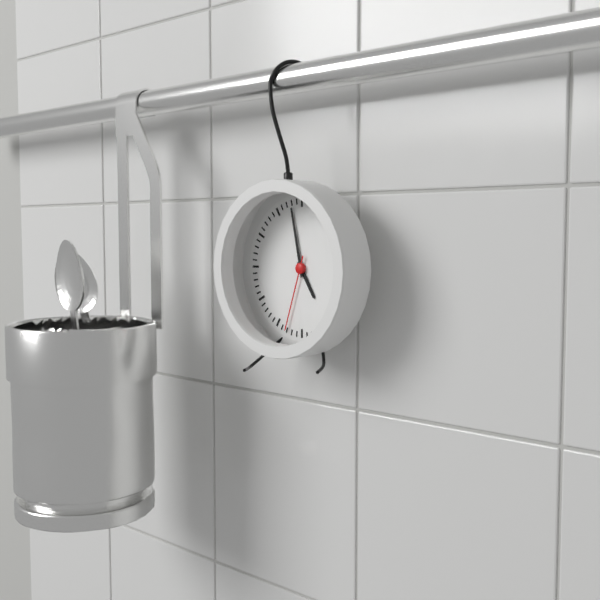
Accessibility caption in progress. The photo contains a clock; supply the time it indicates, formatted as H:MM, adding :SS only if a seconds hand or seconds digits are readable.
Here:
4:58:33
